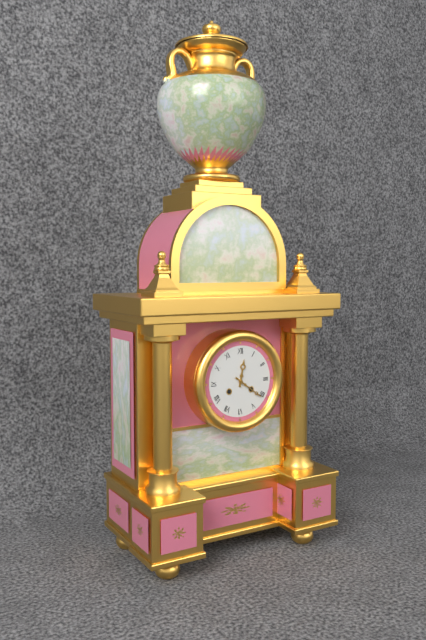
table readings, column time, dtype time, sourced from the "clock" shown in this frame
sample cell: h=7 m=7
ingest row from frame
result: h=12 m=21
